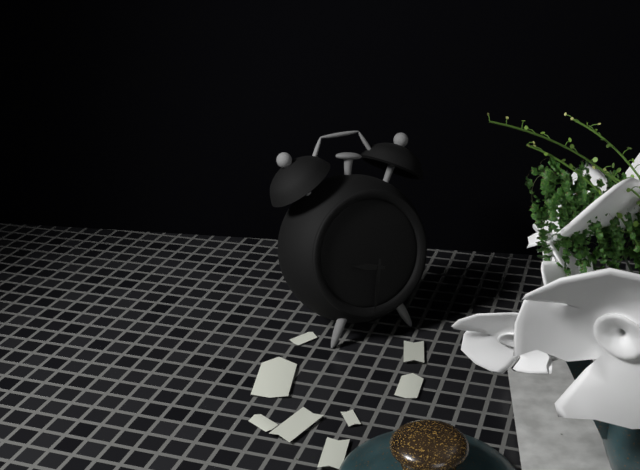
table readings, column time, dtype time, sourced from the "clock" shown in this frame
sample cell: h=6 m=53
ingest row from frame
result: h=9 m=31
